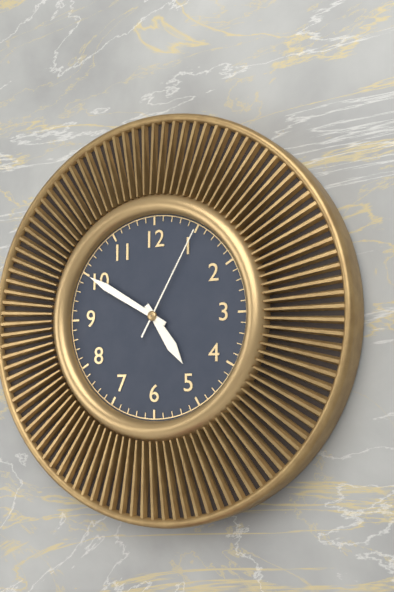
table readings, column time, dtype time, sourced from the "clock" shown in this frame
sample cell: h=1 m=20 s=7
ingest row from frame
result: h=4 m=50 s=5
